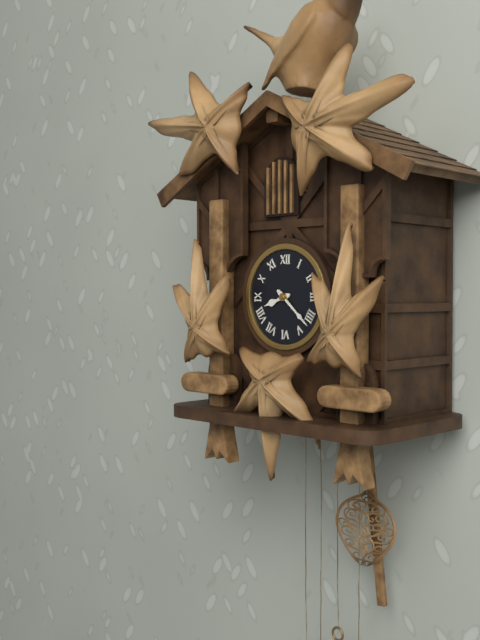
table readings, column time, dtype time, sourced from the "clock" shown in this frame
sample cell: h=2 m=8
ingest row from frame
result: h=8 m=22
